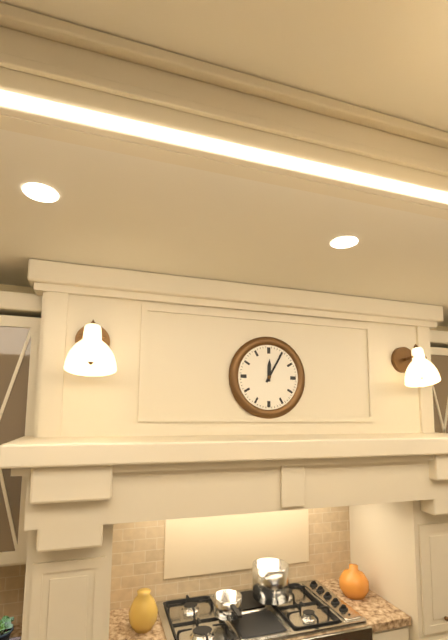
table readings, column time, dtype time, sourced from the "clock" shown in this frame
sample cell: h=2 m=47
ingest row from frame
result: h=12 m=5
